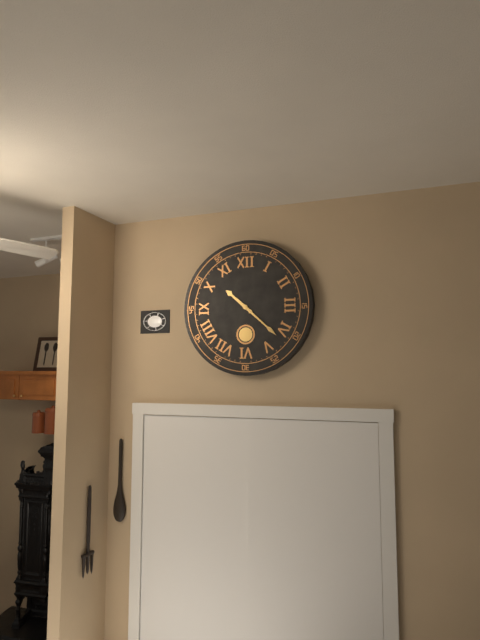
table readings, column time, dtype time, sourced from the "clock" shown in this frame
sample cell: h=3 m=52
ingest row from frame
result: h=10 m=22
